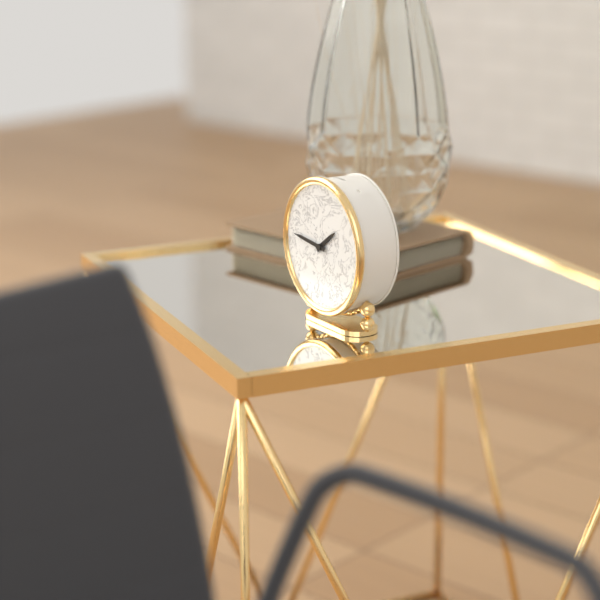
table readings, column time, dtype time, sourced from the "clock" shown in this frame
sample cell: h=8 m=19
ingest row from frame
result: h=1 m=46
